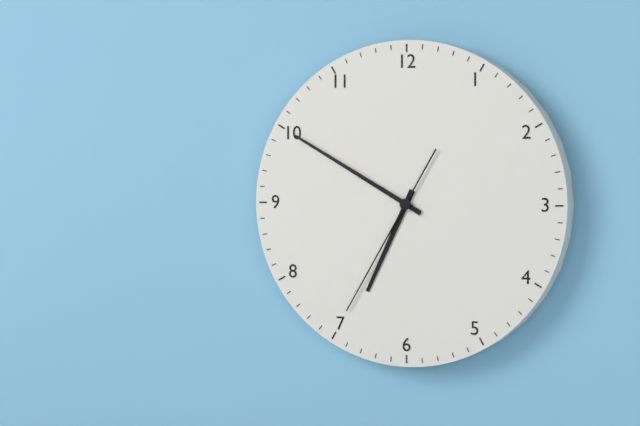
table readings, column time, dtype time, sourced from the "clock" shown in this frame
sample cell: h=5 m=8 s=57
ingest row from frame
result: h=6 m=50 s=35
